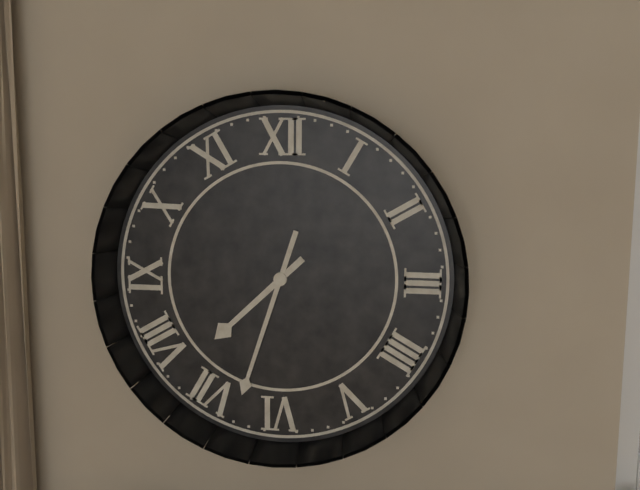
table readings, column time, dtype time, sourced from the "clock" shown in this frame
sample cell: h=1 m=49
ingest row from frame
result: h=7 m=33
